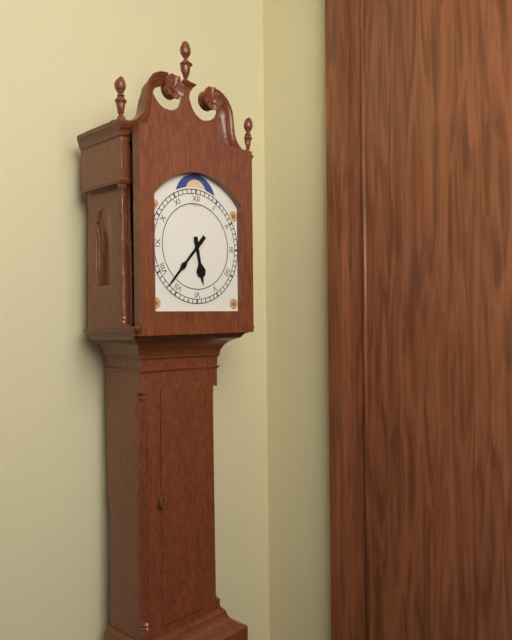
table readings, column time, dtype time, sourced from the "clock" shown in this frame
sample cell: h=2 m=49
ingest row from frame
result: h=5 m=37
